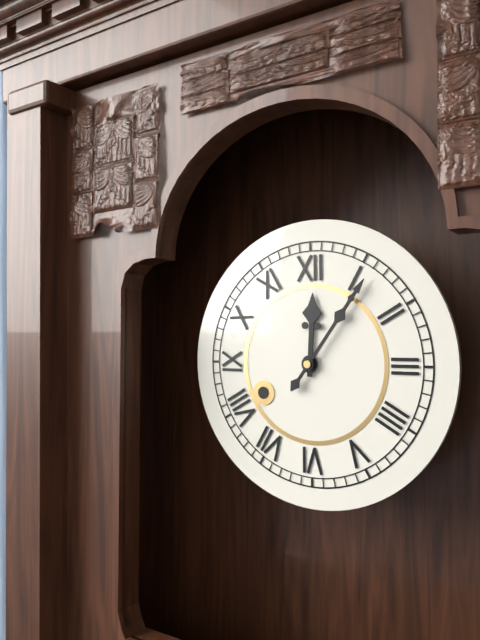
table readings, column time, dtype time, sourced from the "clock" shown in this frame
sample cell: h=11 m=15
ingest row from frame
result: h=12 m=6
